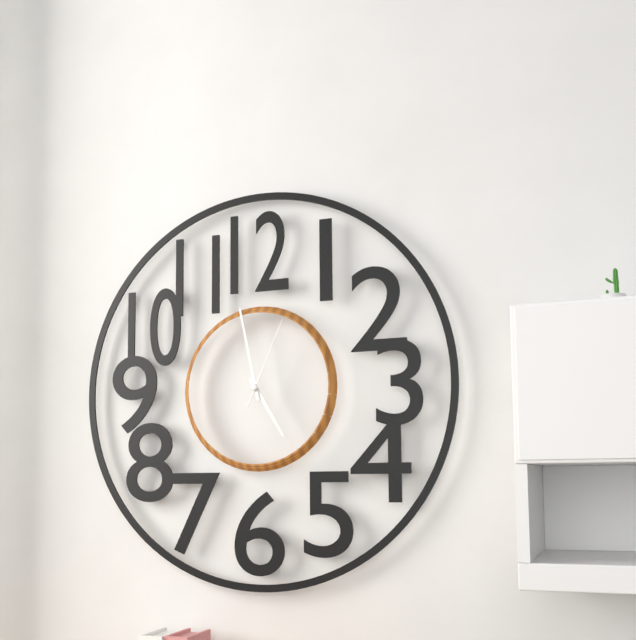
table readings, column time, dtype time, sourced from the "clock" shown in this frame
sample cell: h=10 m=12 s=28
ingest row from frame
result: h=4 m=58 s=4
